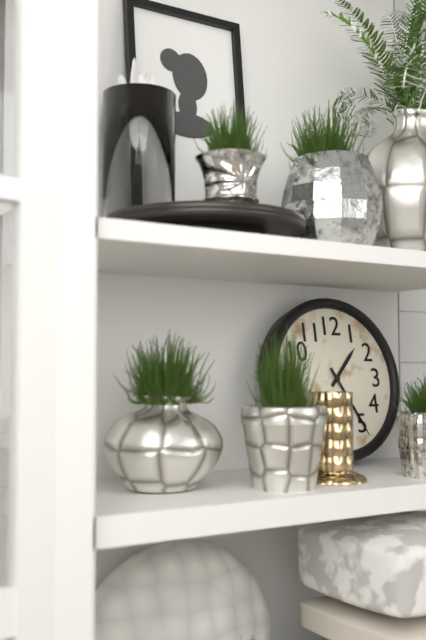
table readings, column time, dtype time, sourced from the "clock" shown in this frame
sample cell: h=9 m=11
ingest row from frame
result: h=1 m=25
